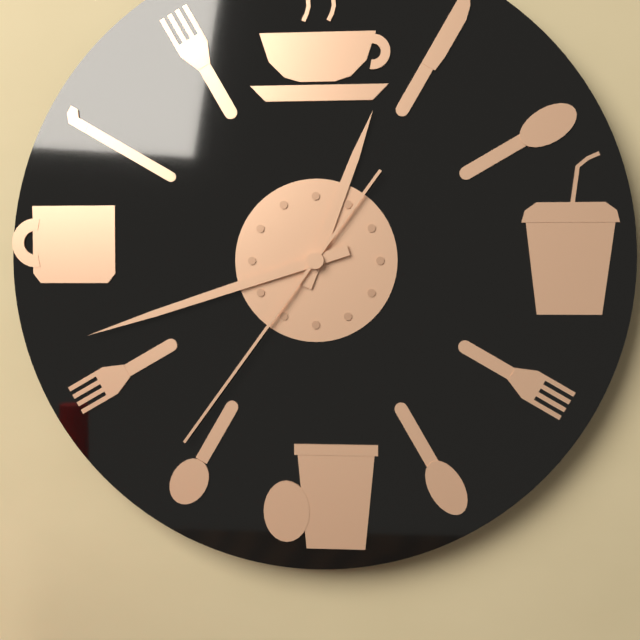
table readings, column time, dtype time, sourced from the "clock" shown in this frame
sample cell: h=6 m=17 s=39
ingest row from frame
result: h=12 m=42 s=36
